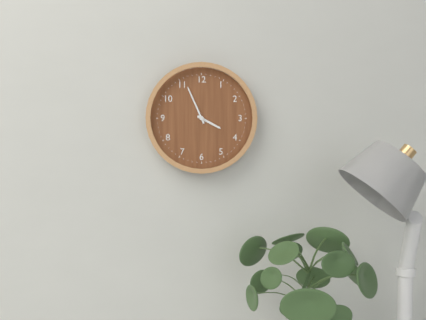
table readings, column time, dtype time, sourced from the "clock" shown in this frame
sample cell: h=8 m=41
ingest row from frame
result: h=3 m=56
